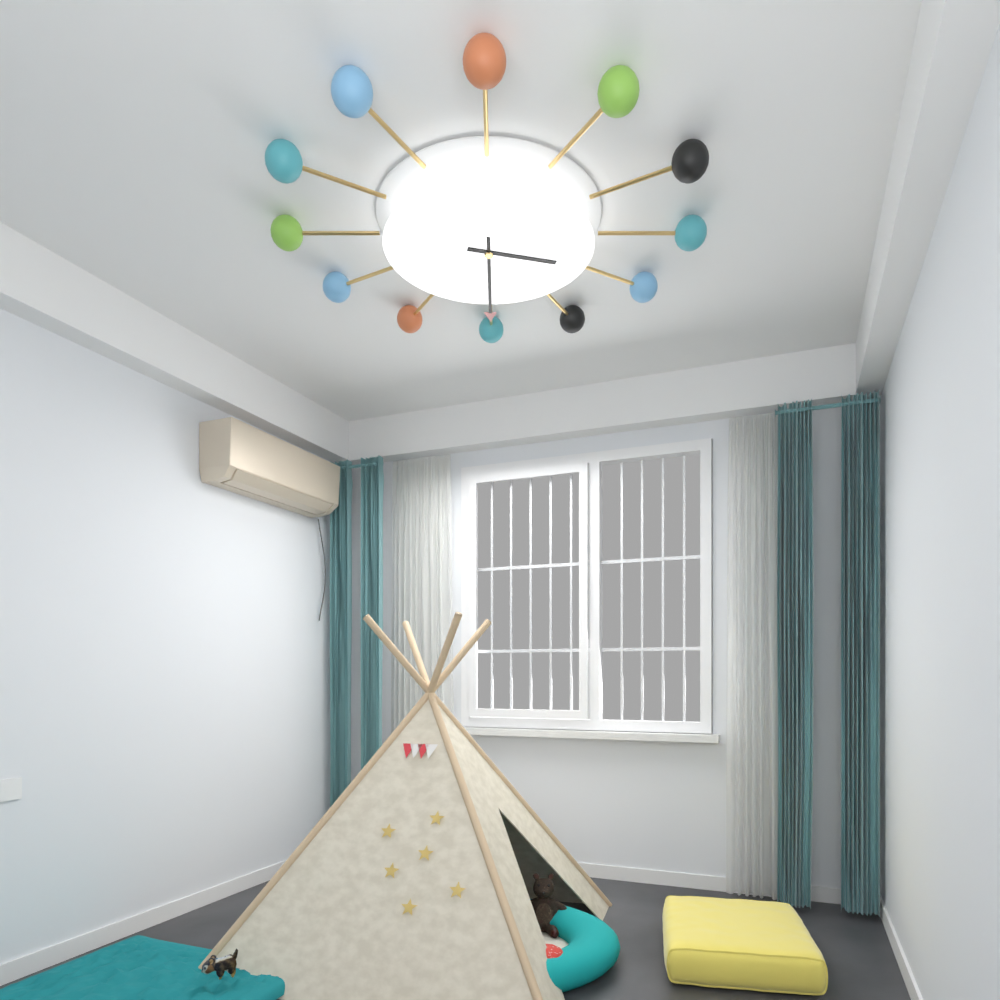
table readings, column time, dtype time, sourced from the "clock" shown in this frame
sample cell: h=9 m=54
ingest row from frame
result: h=3 m=30
